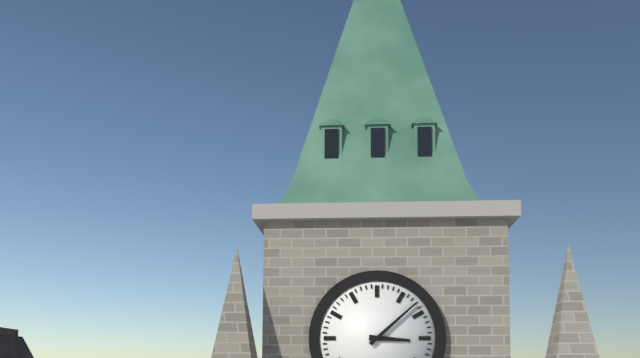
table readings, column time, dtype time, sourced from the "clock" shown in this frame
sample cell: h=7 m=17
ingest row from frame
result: h=3 m=8
